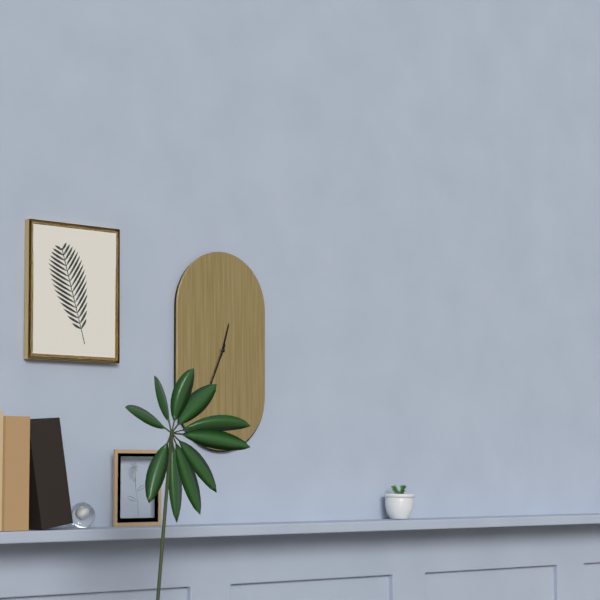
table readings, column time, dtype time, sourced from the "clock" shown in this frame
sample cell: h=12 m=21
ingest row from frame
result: h=12 m=34
